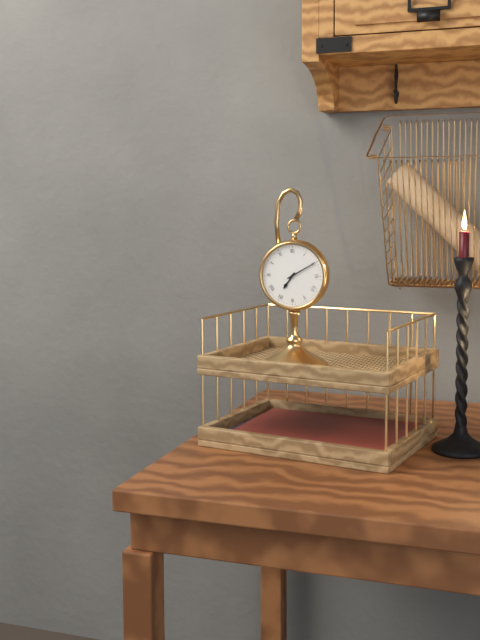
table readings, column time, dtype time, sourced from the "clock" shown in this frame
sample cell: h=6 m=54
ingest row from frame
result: h=7 m=10
